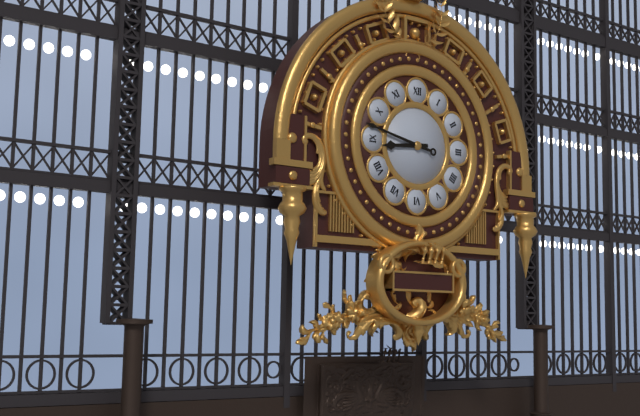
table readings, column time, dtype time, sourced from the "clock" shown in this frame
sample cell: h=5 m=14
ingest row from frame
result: h=8 m=47
